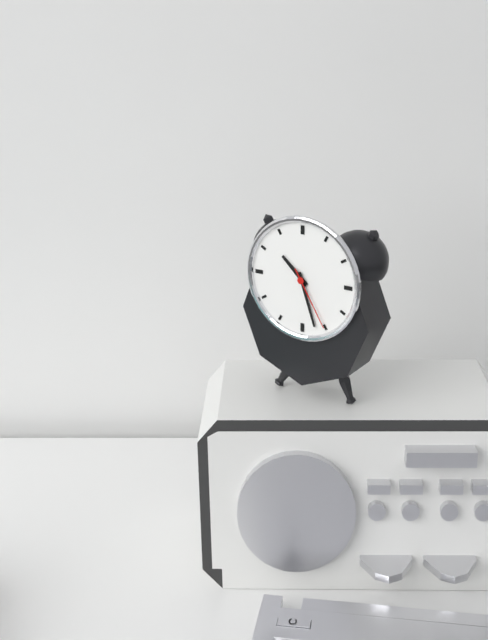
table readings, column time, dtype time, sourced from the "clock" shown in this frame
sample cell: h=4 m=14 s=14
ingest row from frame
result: h=10 m=27 s=25
